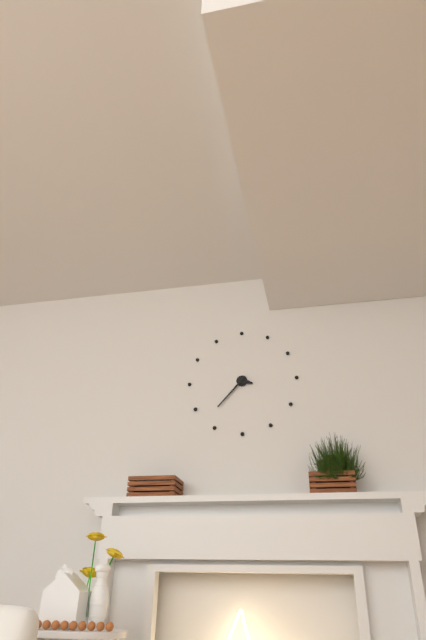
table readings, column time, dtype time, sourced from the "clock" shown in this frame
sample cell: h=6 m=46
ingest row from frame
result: h=3 m=37
